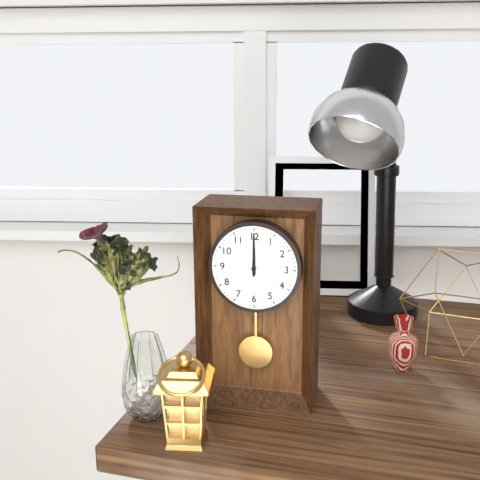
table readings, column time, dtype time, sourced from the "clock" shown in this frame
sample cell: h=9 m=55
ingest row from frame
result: h=12 m=0
